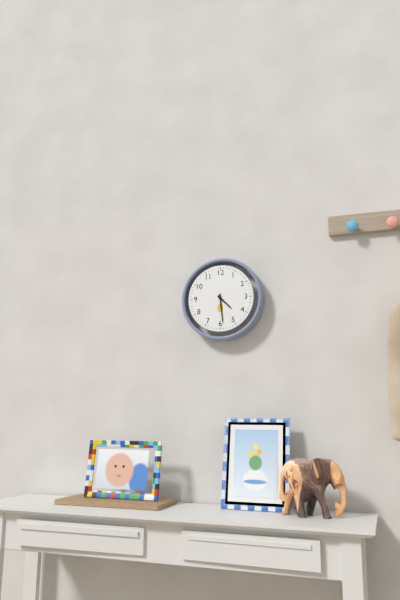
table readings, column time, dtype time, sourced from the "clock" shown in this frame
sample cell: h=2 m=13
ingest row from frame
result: h=4 m=29
